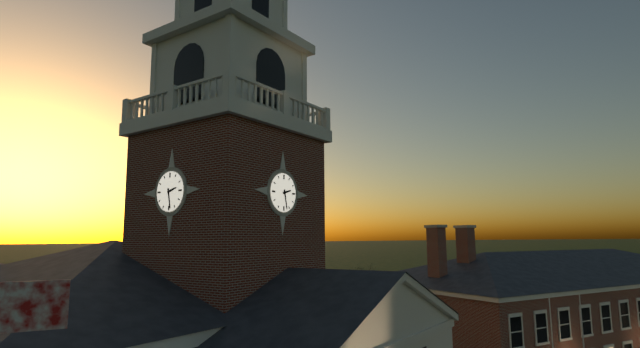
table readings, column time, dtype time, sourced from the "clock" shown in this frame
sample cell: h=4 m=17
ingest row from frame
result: h=2 m=28
